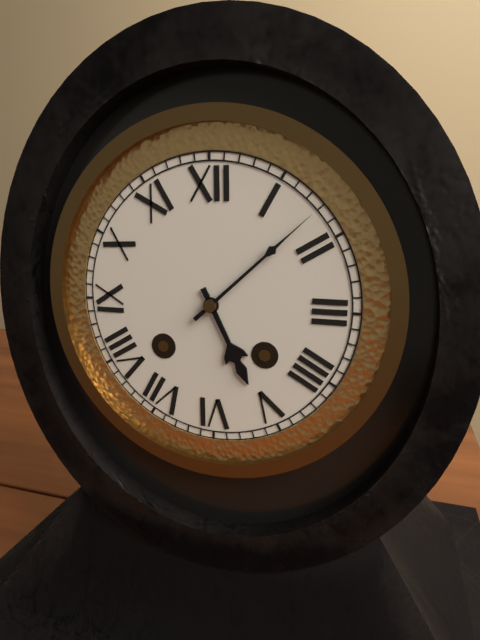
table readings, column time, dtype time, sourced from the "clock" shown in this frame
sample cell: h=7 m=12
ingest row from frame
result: h=5 m=8
